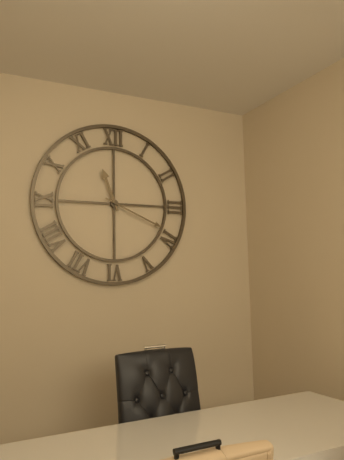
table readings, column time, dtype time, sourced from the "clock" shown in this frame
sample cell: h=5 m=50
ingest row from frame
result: h=11 m=19
